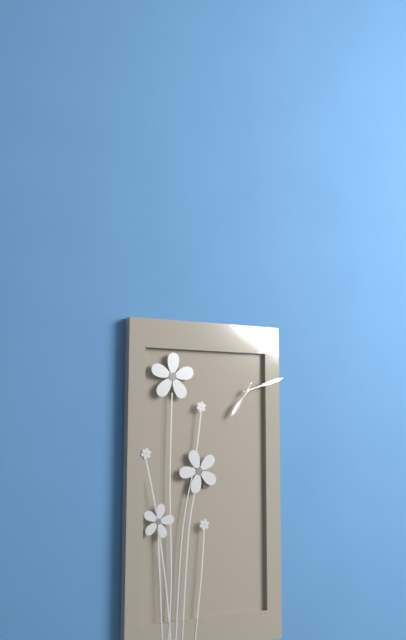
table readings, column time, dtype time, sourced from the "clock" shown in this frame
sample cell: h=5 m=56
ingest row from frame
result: h=7 m=12
